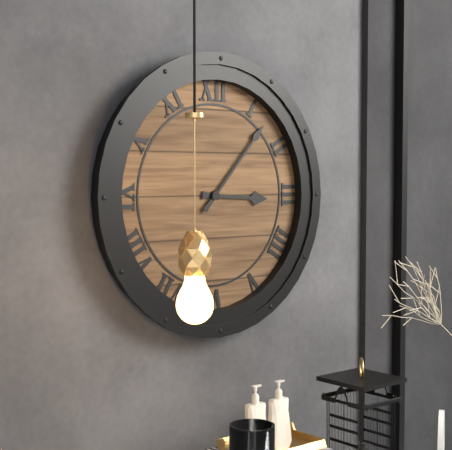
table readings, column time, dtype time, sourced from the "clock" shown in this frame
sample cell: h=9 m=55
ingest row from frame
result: h=3 m=7
